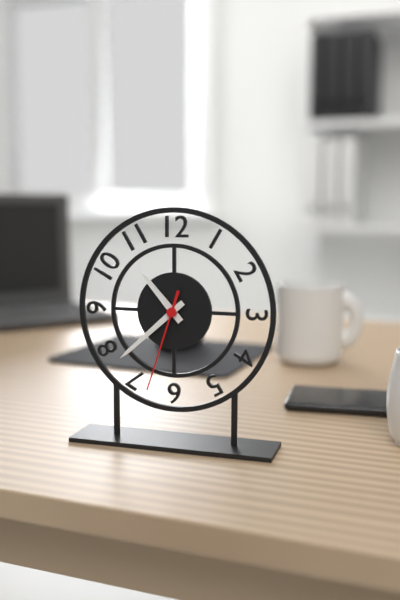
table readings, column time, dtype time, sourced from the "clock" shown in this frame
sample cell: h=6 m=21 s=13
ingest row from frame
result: h=10 m=38 s=33
